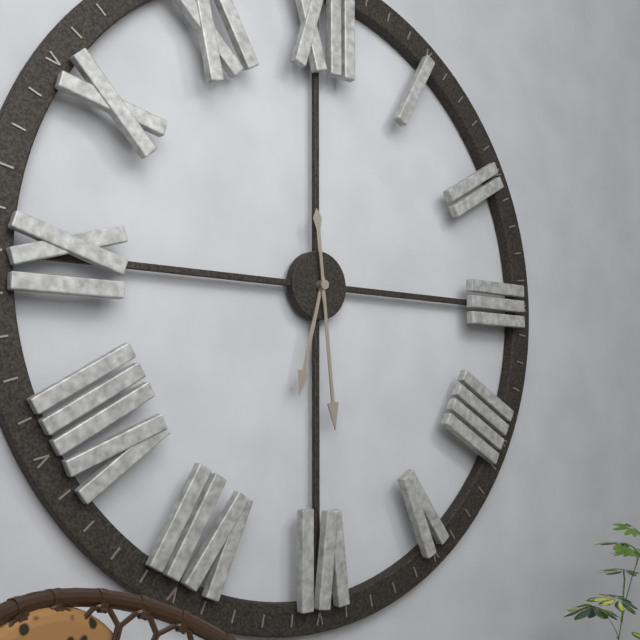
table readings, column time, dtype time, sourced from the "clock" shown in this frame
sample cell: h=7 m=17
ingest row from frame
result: h=6 m=29
